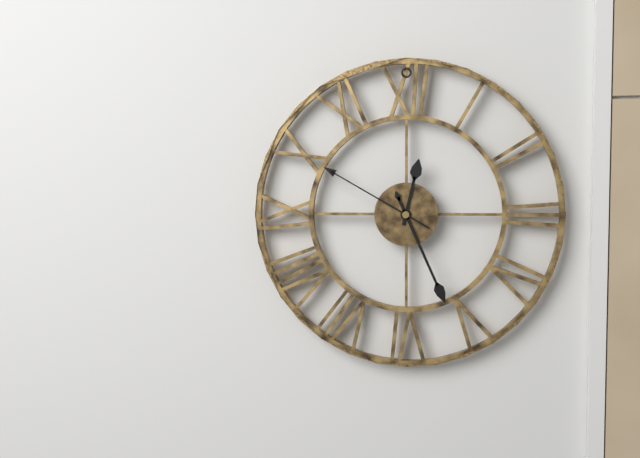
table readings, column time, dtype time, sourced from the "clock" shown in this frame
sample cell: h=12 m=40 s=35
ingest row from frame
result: h=12 m=26 s=50
